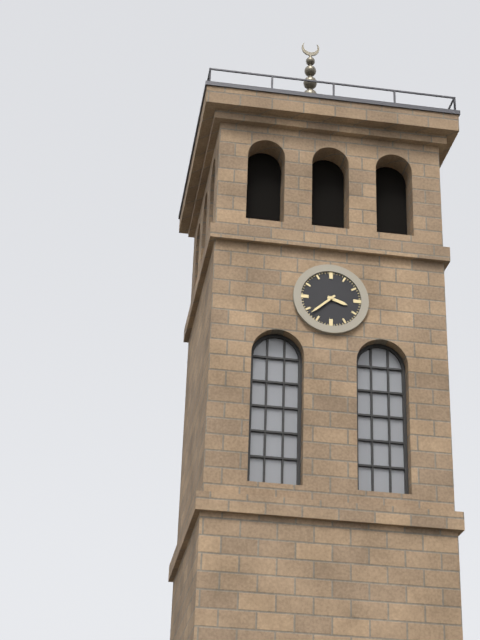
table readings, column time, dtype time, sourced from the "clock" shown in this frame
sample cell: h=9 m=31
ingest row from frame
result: h=3 m=38
